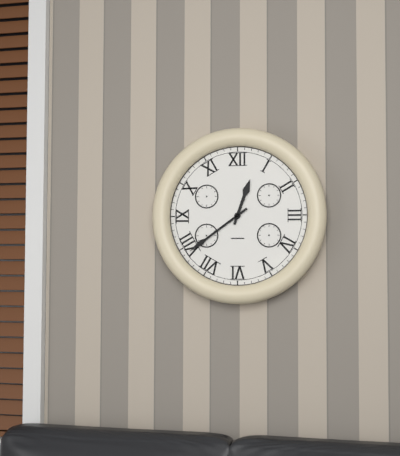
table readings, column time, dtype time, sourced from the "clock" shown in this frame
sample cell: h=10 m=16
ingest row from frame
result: h=12 m=39
